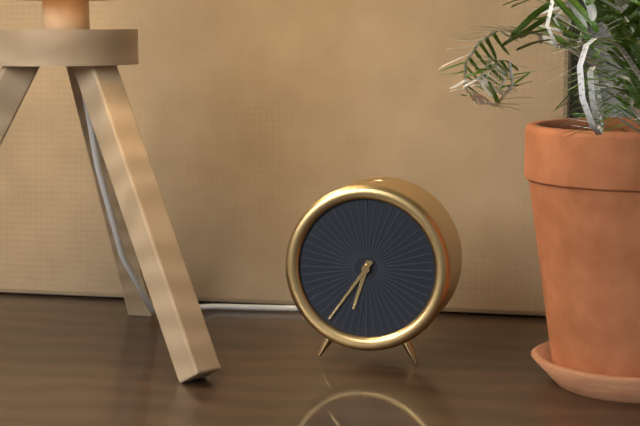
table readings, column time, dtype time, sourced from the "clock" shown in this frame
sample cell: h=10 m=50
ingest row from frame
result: h=6 m=36
